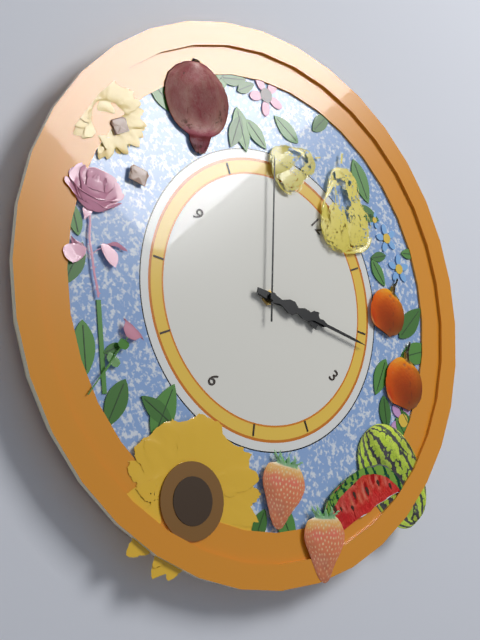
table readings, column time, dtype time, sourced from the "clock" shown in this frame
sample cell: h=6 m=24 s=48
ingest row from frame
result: h=2 m=11 s=54
